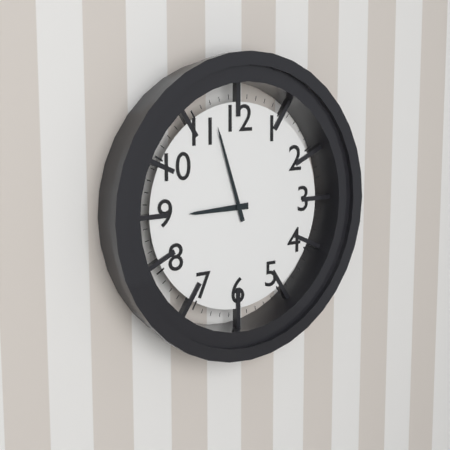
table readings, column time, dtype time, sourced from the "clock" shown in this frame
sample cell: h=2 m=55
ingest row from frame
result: h=8 m=57
